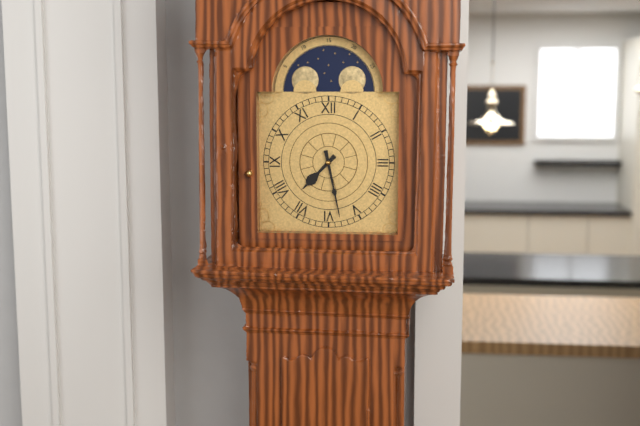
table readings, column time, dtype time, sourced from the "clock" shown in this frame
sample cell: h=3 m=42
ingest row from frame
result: h=7 m=28
